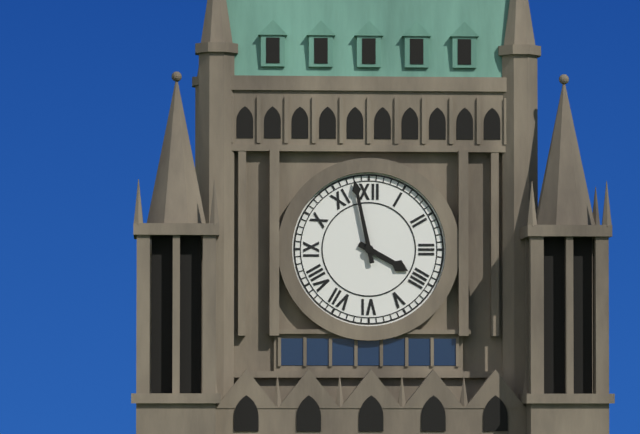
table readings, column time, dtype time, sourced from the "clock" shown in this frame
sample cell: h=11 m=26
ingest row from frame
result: h=3 m=58
